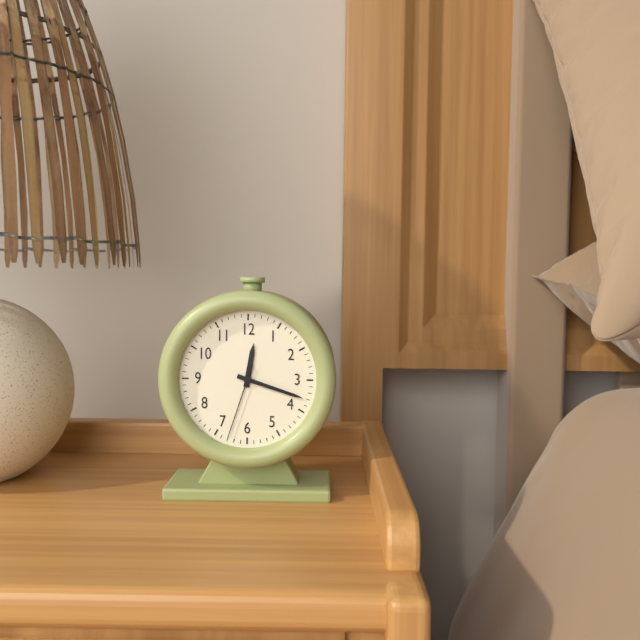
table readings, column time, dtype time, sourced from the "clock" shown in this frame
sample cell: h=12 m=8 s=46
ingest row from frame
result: h=12 m=18 s=33
